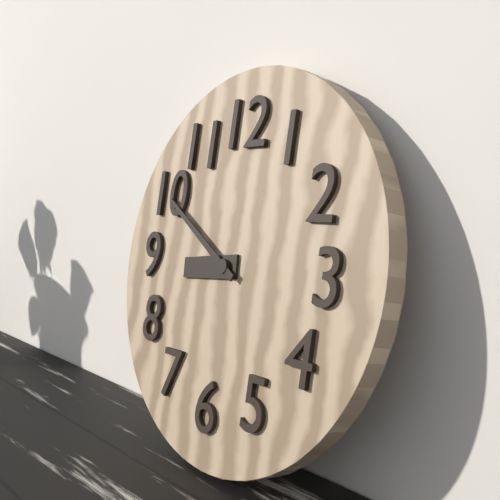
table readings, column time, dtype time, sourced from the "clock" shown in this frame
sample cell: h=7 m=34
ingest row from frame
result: h=8 m=50
